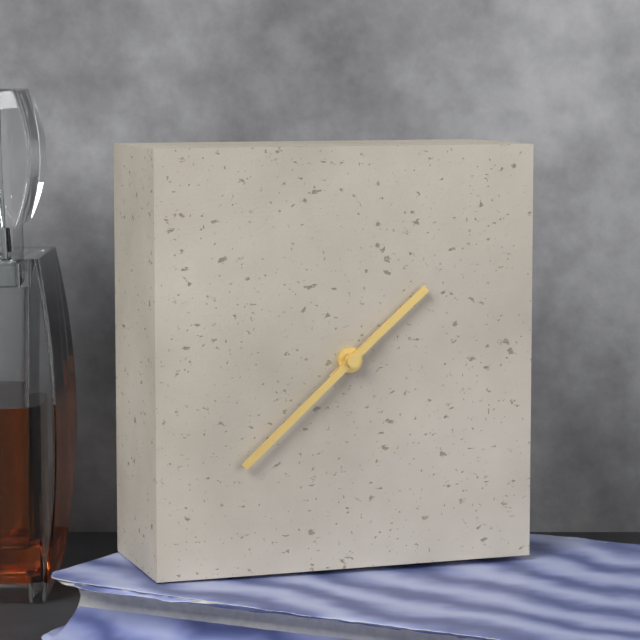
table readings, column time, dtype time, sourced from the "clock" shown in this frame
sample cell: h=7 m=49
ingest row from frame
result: h=1 m=38
